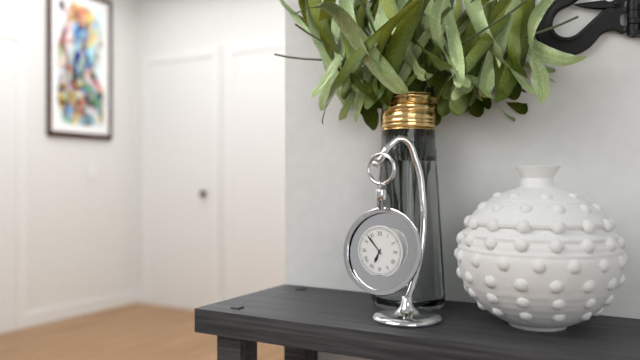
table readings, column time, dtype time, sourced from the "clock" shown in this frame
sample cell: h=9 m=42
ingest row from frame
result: h=6 m=53
